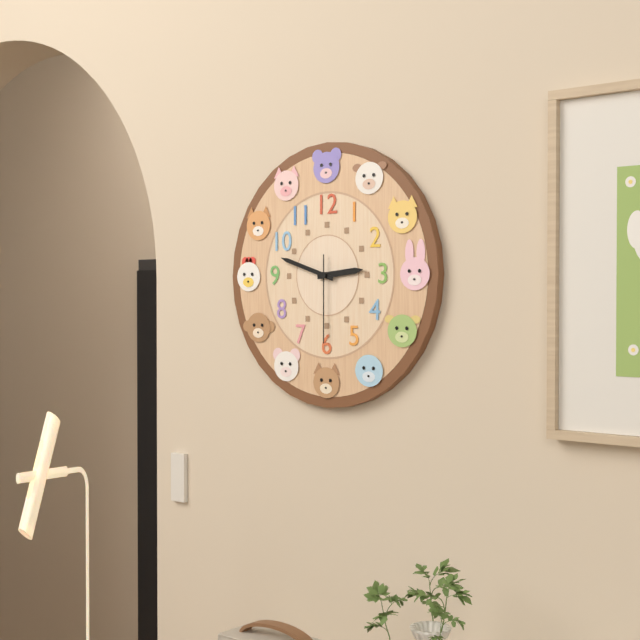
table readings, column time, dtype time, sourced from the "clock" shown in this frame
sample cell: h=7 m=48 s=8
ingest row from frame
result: h=2 m=48 s=30
